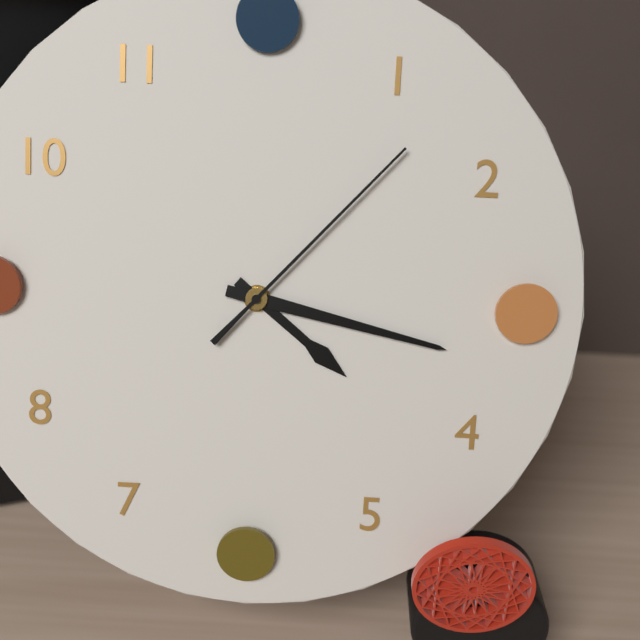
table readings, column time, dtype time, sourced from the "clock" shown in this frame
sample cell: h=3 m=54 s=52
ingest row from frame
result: h=4 m=17 s=7
